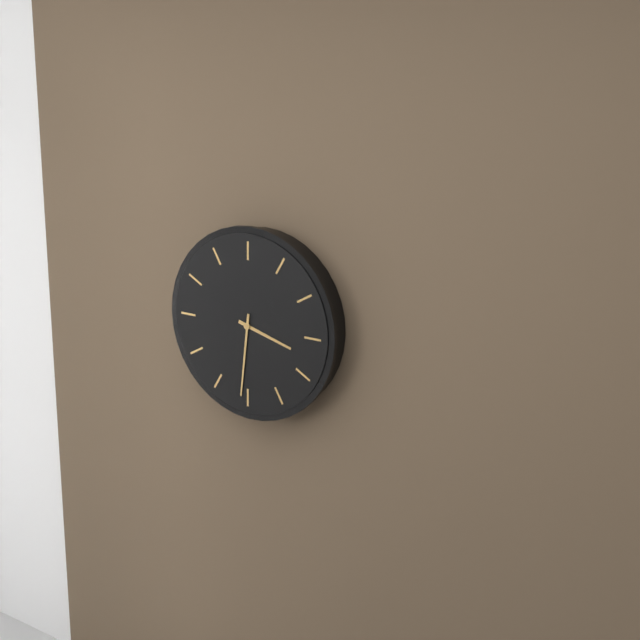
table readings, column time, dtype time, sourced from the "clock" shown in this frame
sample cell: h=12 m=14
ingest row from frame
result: h=3 m=31
